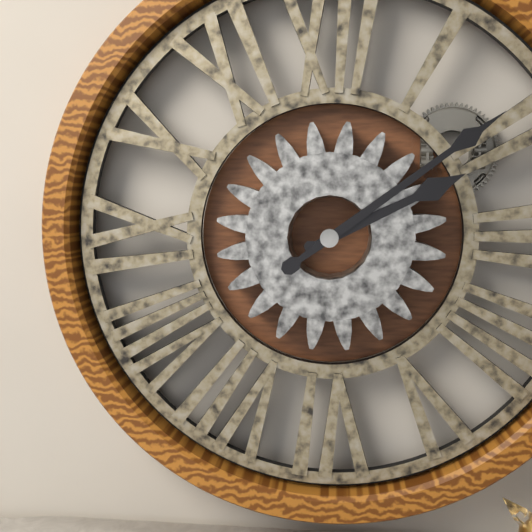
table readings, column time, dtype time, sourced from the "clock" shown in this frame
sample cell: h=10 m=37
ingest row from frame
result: h=2 m=9
